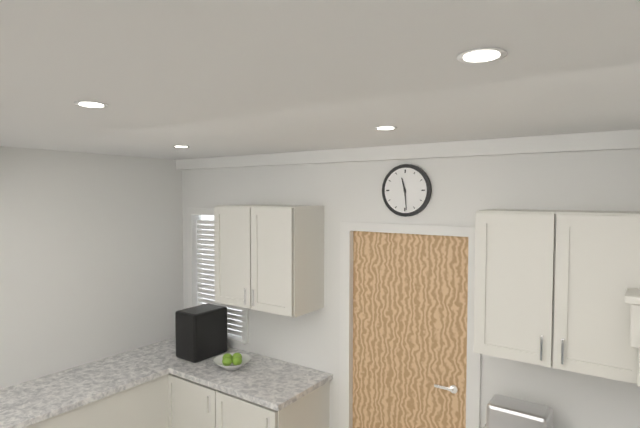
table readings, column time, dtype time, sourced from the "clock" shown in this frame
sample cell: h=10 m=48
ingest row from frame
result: h=11 m=29
